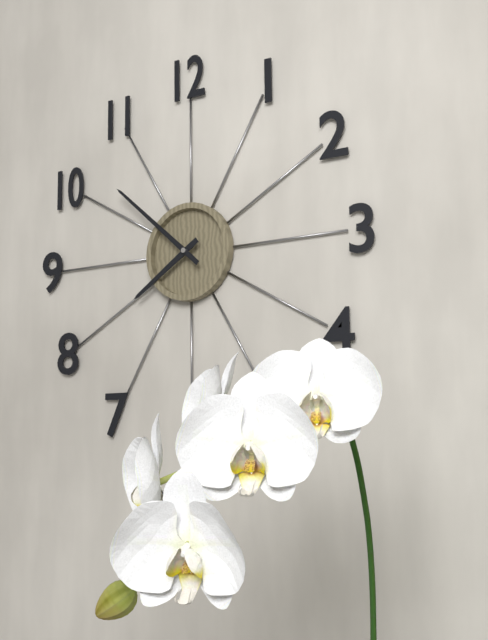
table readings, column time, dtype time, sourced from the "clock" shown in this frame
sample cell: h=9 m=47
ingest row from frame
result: h=7 m=52
